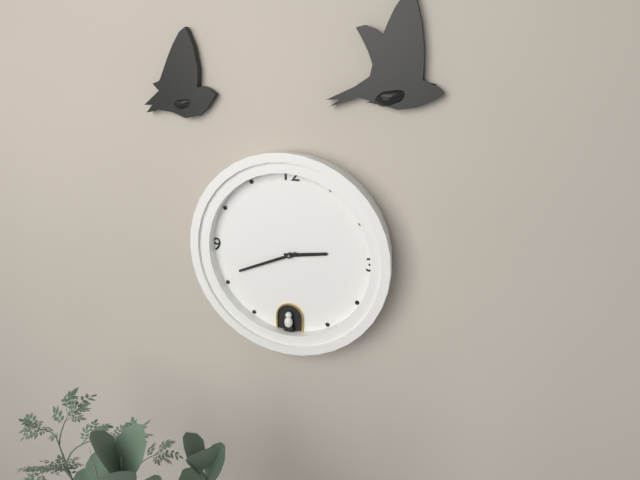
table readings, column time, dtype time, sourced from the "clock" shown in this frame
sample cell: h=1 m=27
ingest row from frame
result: h=2 m=41
